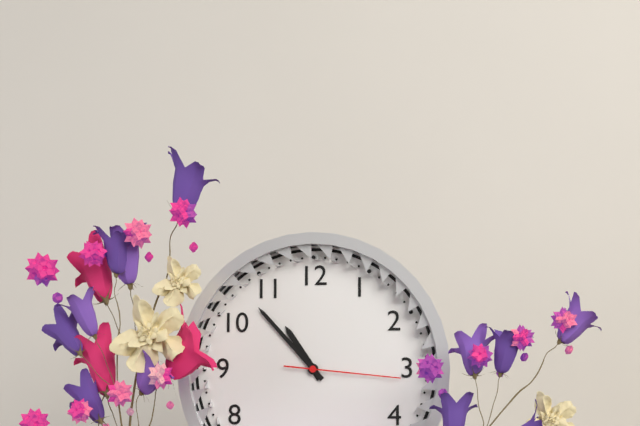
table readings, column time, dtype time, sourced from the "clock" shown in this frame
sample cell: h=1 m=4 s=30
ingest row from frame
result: h=10 m=53 s=16
